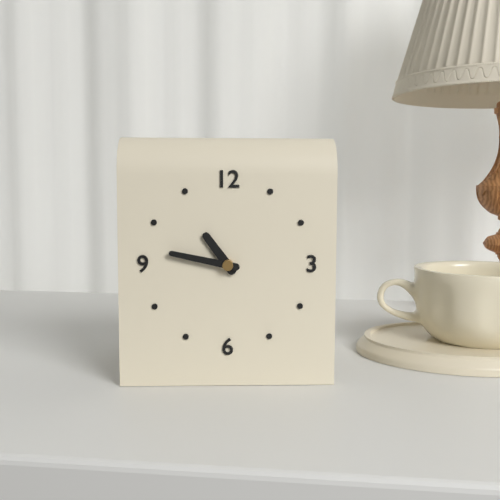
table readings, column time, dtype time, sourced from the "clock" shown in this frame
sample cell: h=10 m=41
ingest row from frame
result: h=10 m=47
